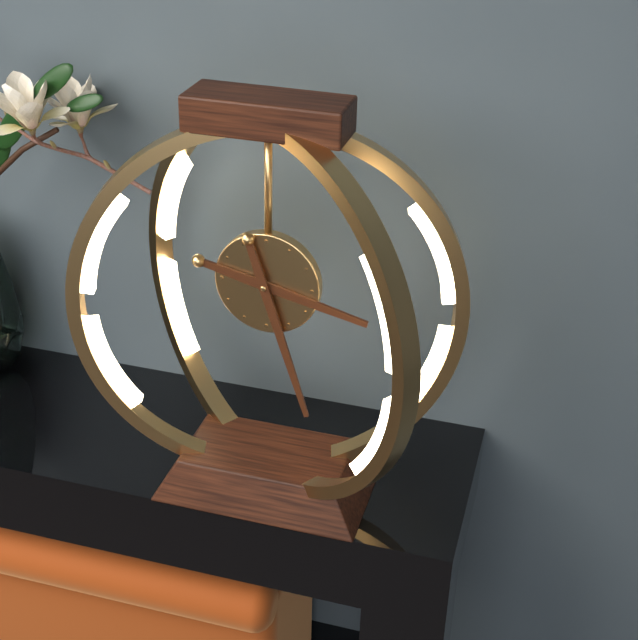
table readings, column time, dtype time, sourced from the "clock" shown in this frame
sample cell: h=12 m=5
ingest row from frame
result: h=3 m=27
